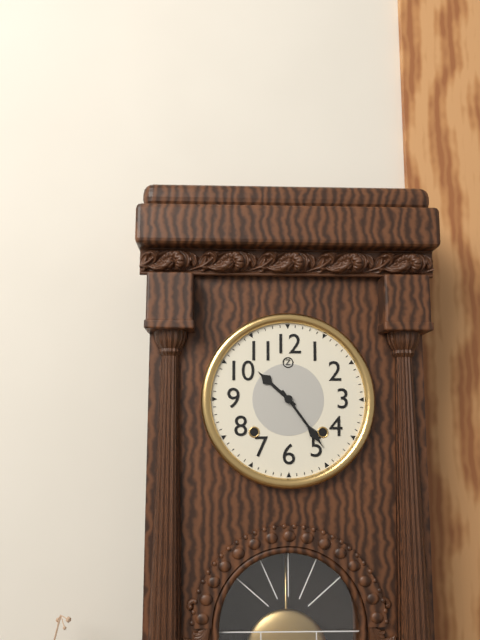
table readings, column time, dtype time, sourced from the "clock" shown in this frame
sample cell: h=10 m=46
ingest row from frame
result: h=10 m=24
